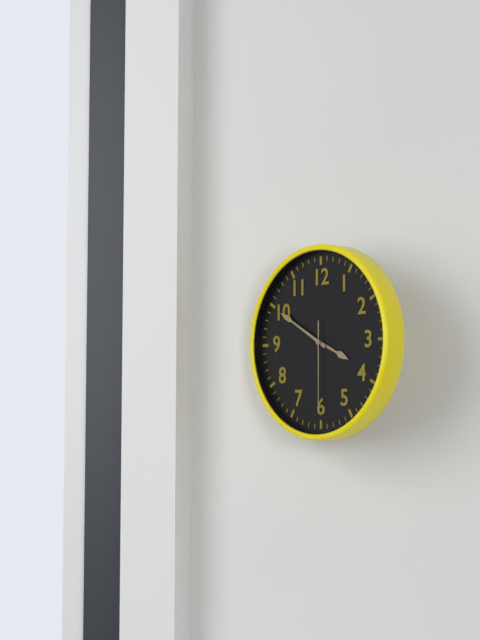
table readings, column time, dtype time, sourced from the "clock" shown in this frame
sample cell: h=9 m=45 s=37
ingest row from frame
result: h=3 m=50 s=30
